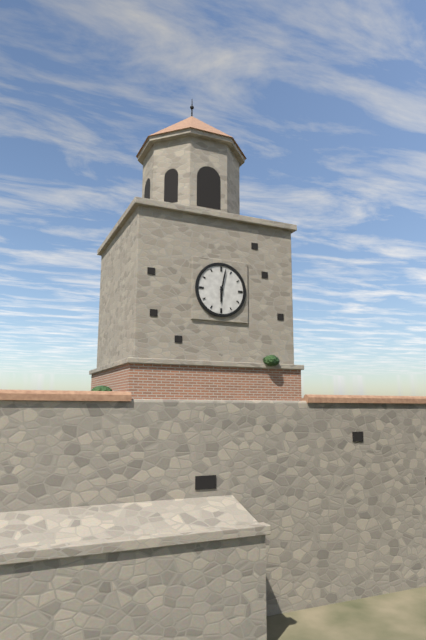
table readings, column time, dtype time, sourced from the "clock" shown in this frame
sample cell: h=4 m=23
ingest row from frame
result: h=6 m=2
